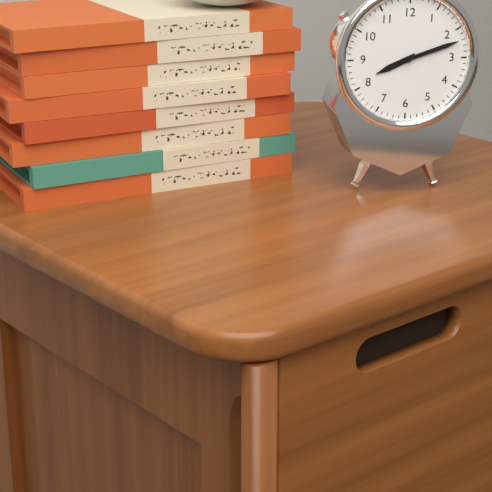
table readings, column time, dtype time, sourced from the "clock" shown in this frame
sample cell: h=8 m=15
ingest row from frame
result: h=8 m=12
